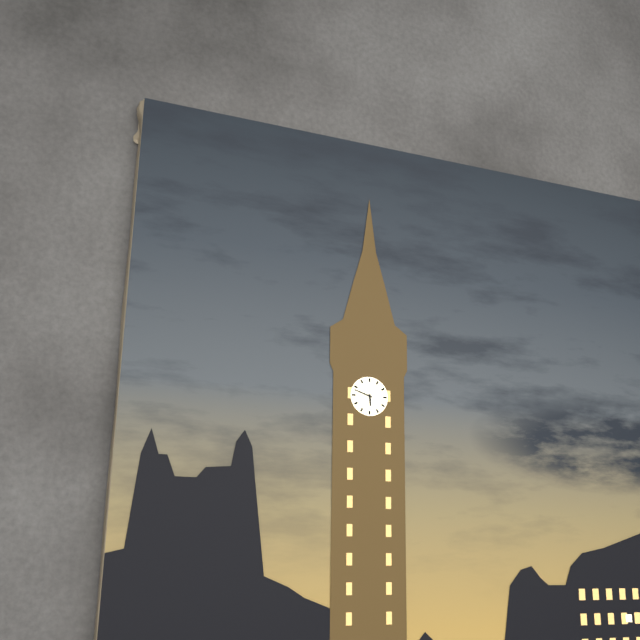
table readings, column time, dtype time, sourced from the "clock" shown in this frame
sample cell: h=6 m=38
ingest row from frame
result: h=5 m=48
